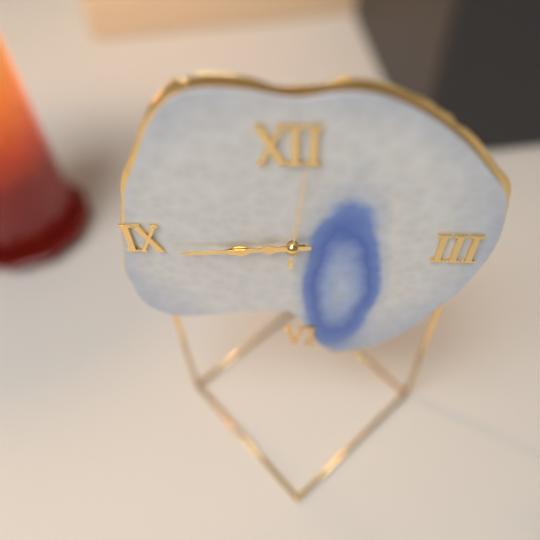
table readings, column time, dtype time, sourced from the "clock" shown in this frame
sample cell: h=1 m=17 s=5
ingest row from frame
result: h=8 m=44 s=1
